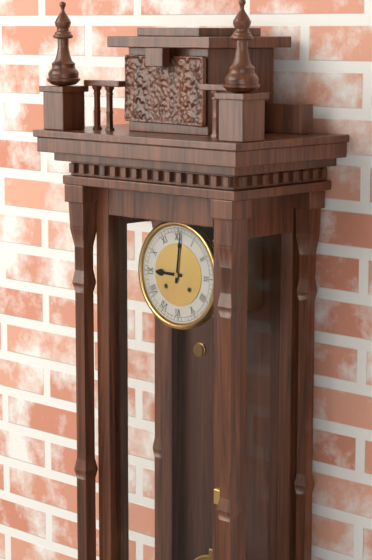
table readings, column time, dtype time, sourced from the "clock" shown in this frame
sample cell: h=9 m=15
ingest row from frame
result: h=9 m=1
